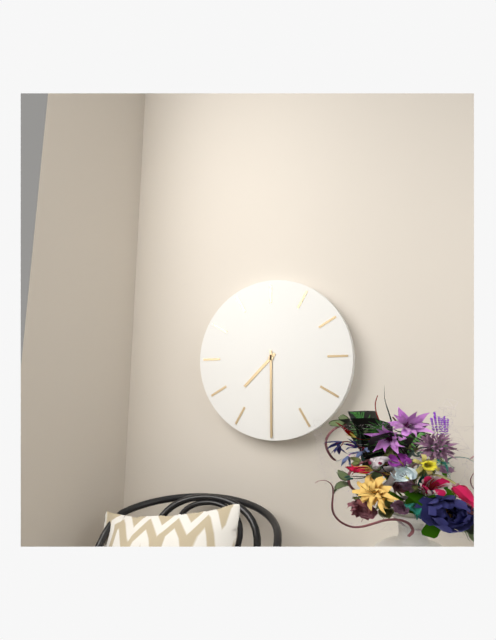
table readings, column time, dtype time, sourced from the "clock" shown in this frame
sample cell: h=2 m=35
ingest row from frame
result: h=7 m=30
